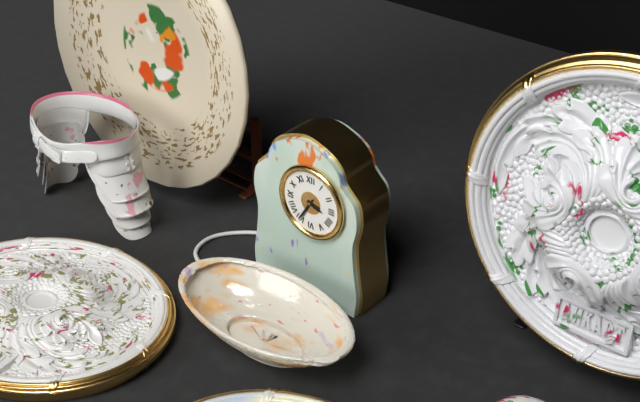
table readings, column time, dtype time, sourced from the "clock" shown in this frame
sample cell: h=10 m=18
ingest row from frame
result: h=3 m=35
